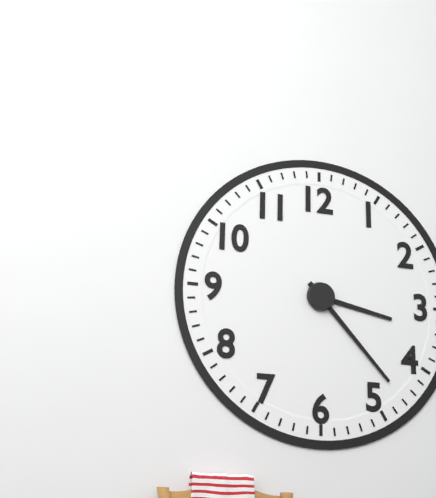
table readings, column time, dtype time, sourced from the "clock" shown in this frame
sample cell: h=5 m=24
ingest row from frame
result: h=3 m=23
